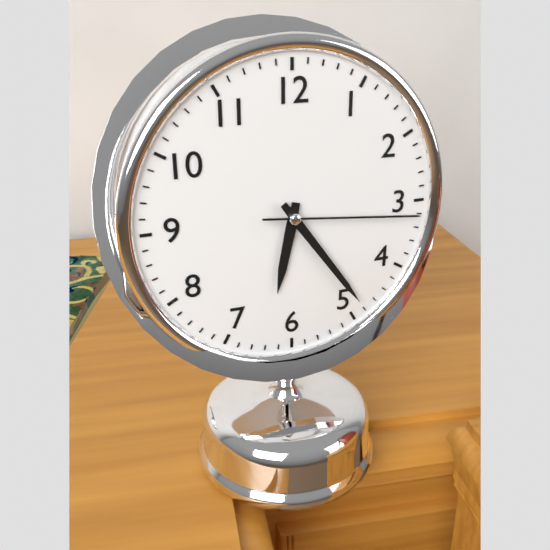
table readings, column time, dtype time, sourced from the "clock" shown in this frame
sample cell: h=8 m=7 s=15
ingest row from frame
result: h=6 m=24 s=16
